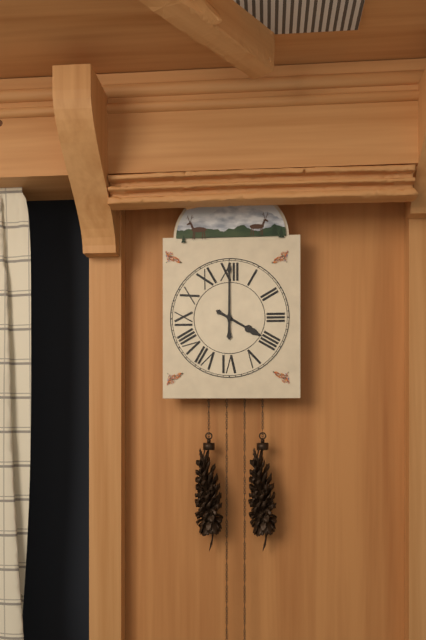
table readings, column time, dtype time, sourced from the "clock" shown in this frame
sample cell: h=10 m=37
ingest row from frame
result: h=4 m=0
